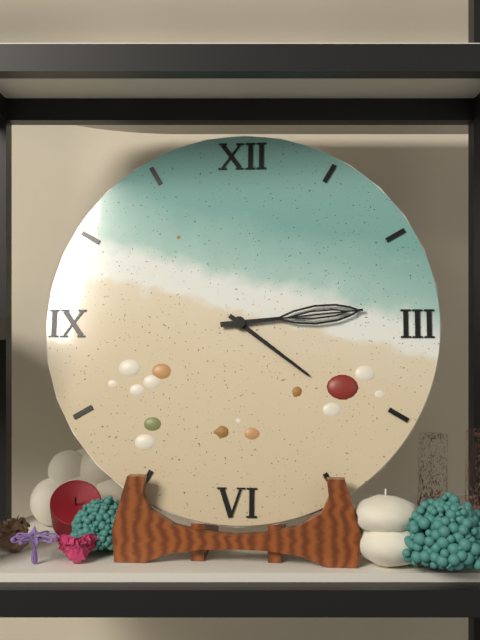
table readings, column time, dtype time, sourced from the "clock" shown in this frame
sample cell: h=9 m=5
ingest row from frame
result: h=4 m=14
